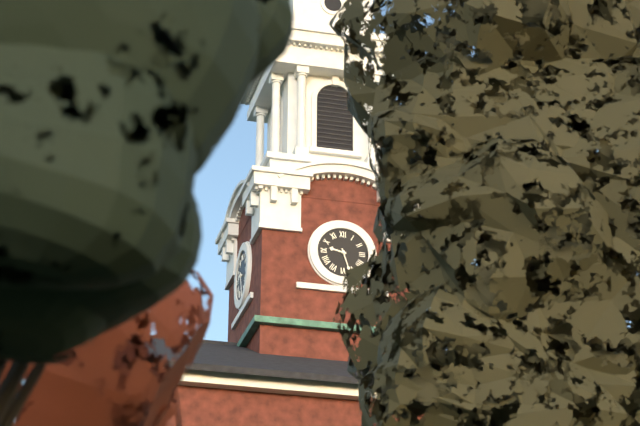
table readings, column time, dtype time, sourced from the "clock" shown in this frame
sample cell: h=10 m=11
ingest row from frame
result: h=9 m=27
